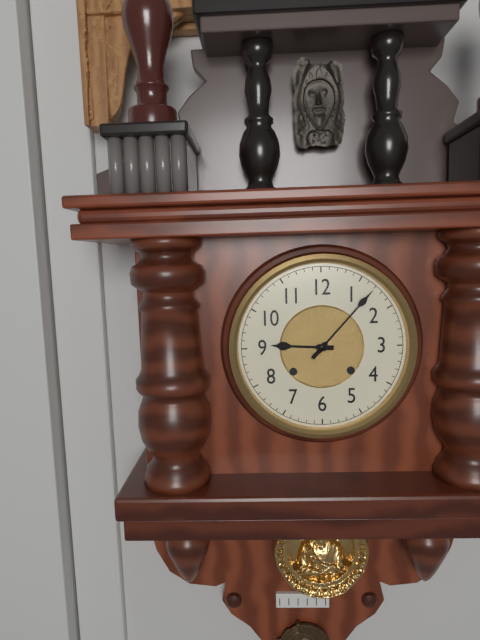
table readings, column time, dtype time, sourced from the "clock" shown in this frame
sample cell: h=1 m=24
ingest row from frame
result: h=9 m=7
